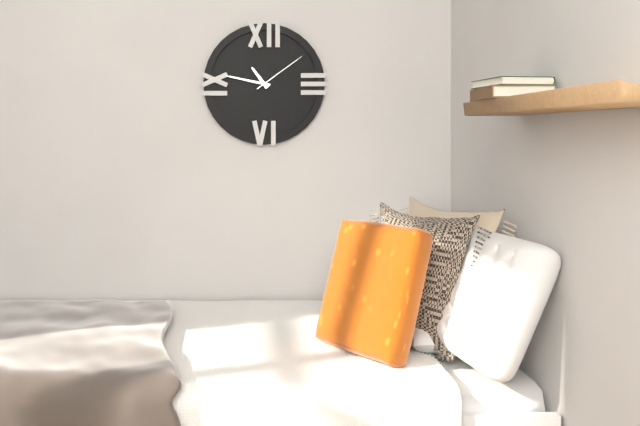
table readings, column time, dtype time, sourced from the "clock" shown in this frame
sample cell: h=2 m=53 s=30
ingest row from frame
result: h=10 m=47 s=9
